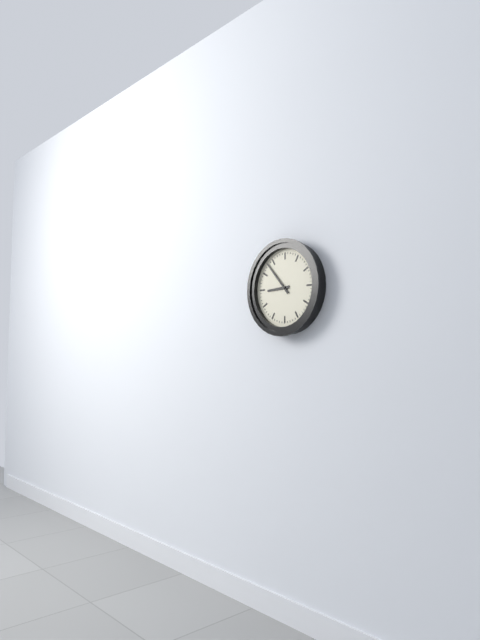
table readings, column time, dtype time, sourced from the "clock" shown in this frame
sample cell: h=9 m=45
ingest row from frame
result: h=8 m=53
